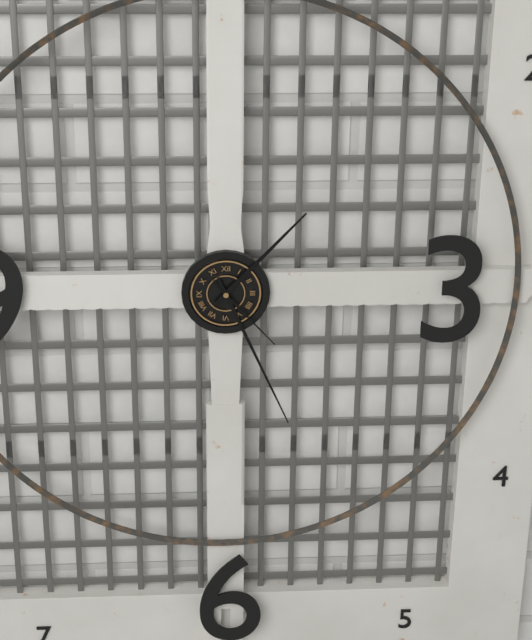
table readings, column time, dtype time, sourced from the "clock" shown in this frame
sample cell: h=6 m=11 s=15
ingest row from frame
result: h=1 m=26 s=23
